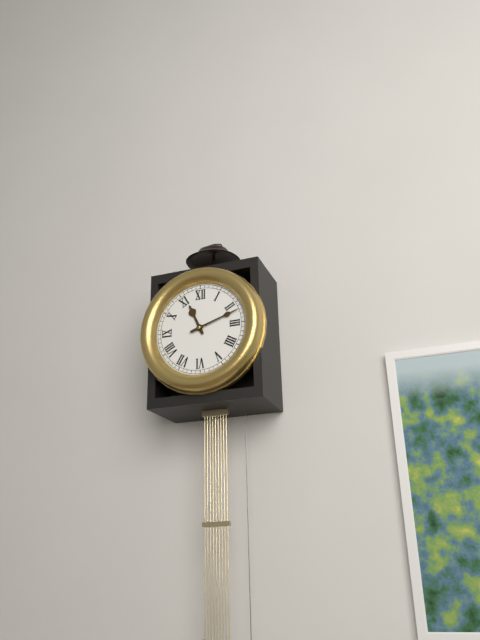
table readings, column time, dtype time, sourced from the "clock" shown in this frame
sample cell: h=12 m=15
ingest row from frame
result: h=11 m=12
